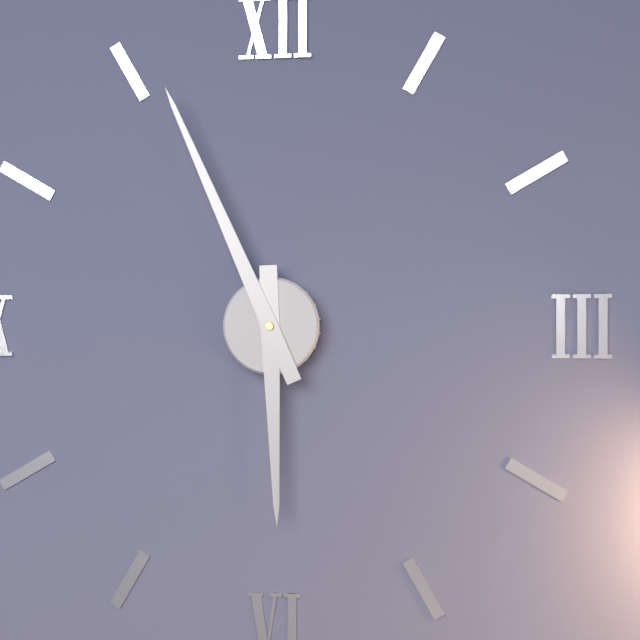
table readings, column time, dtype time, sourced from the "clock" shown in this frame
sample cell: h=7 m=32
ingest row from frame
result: h=5 m=56
